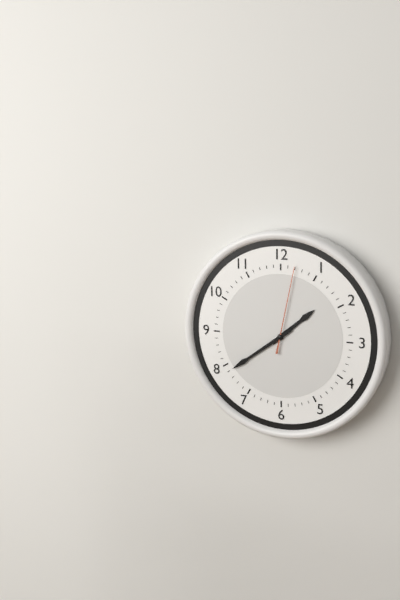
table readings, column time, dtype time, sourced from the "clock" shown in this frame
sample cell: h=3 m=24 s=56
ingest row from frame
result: h=1 m=39 s=2
